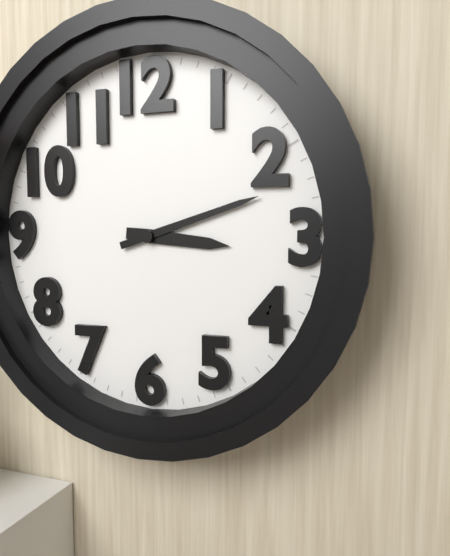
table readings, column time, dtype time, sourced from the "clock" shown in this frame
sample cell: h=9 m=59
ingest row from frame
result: h=3 m=12
